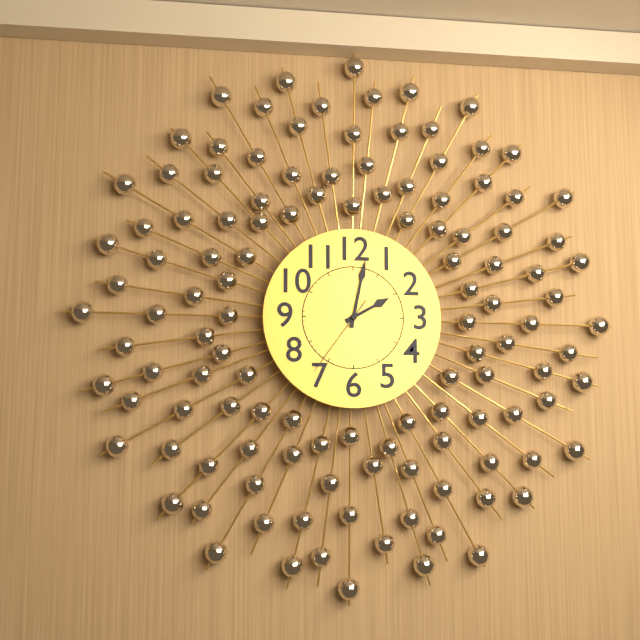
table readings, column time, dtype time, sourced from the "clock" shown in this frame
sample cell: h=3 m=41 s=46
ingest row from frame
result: h=2 m=2 s=36
